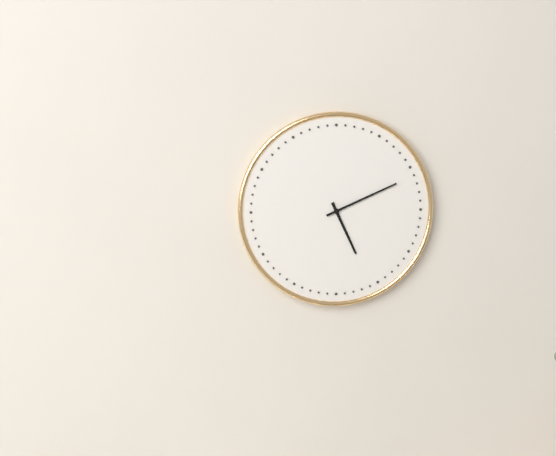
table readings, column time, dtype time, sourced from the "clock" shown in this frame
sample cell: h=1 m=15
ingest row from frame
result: h=5 m=11
